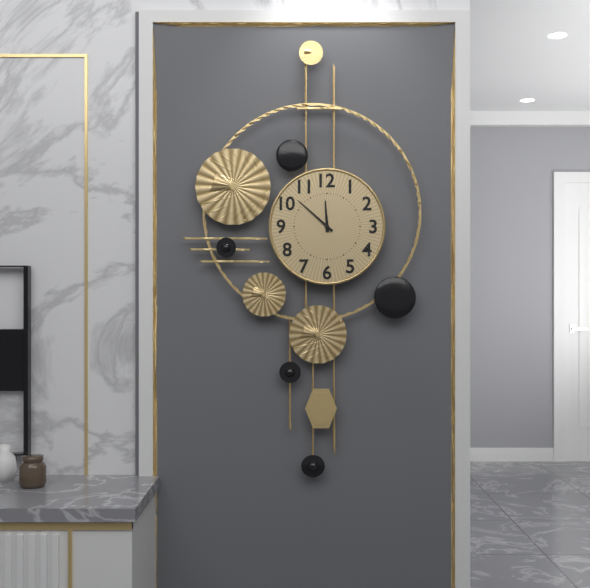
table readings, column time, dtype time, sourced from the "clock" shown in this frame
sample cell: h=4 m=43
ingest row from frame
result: h=11 m=52
